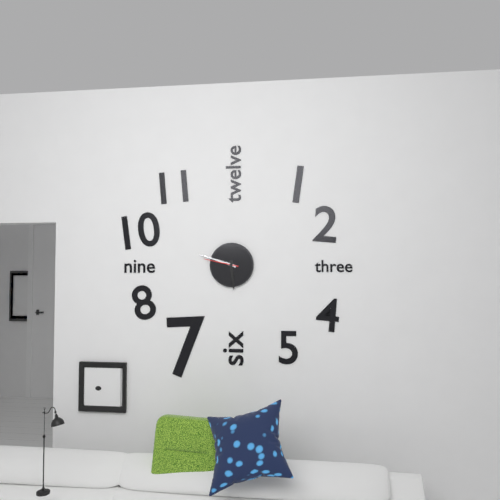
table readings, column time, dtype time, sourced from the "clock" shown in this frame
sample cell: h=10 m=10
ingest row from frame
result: h=5 m=48
